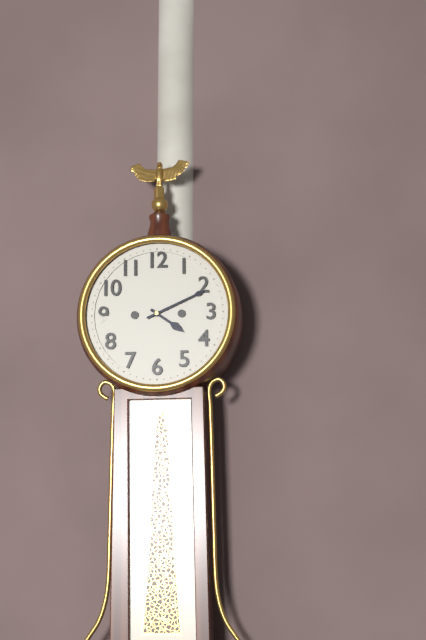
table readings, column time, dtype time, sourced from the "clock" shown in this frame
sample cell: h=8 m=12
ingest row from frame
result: h=4 m=11
